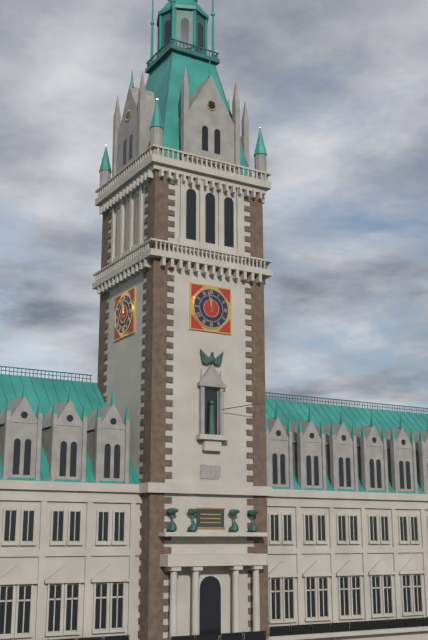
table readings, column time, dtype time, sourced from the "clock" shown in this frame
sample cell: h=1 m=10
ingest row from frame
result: h=11 m=58
